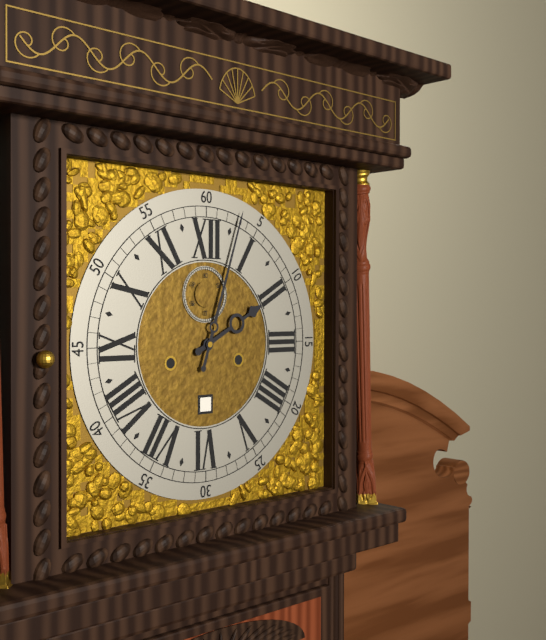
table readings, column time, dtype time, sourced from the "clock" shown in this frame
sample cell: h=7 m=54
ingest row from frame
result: h=2 m=3
